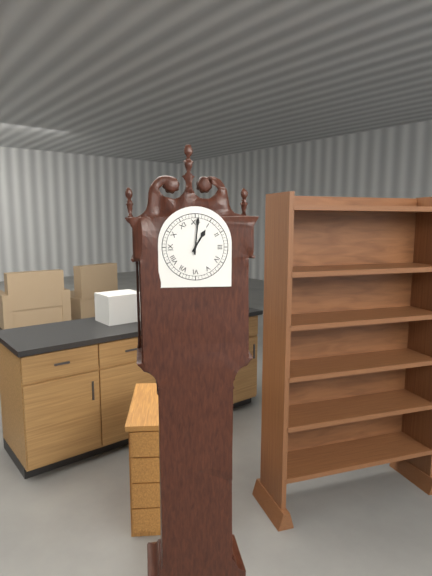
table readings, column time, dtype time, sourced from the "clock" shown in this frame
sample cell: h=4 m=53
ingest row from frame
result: h=1 m=1
